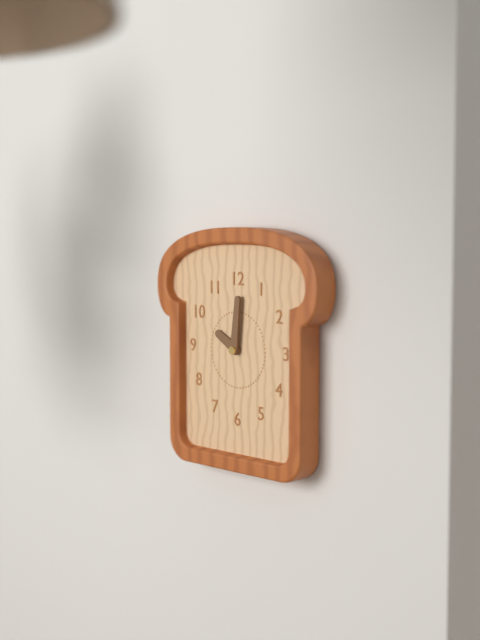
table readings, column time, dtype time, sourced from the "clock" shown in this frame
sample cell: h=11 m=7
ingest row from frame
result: h=10 m=1
